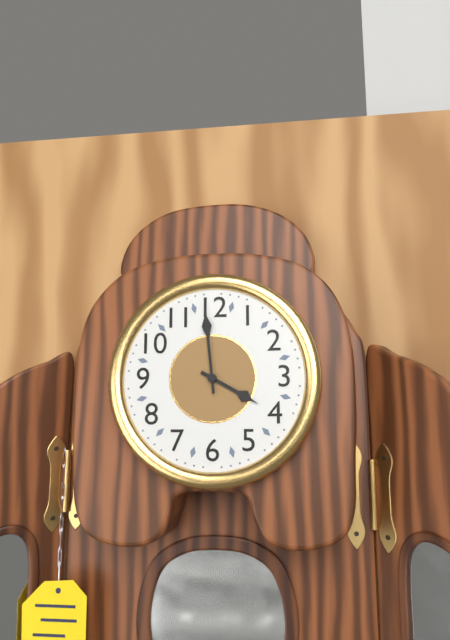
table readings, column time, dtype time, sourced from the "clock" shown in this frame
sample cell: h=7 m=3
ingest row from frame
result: h=3 m=59
